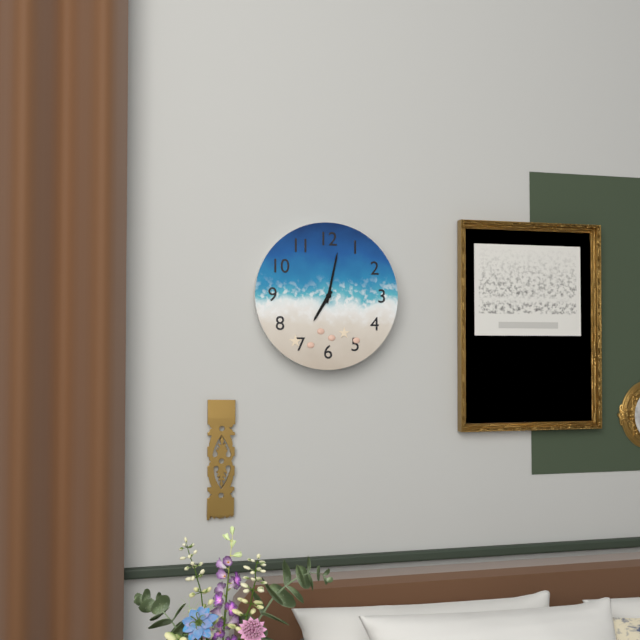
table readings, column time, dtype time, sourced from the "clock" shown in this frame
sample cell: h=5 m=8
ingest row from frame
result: h=7 m=2
